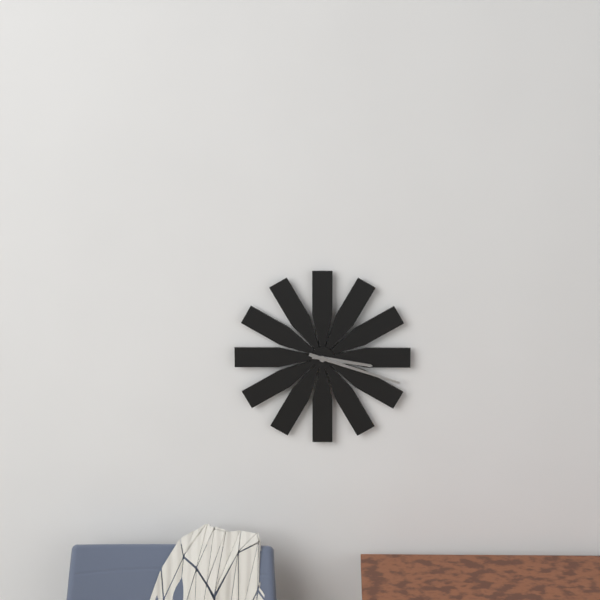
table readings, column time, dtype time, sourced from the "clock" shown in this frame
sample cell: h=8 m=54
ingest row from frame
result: h=3 m=18
